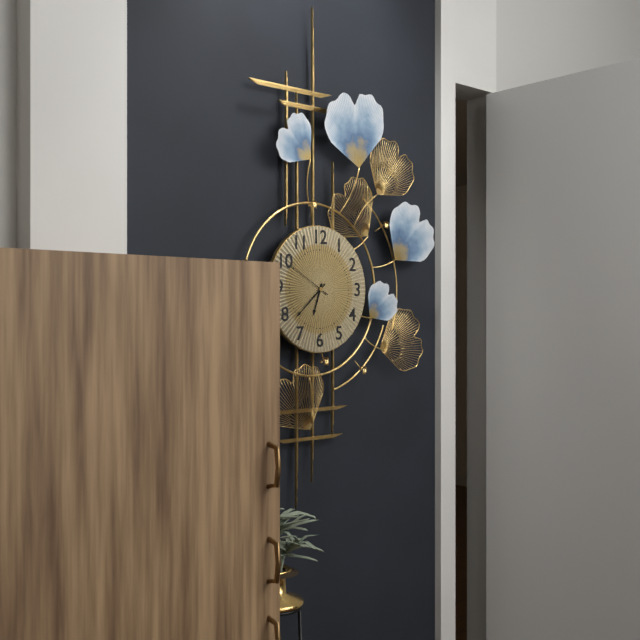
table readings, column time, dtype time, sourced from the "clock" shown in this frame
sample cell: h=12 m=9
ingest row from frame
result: h=6 m=38
